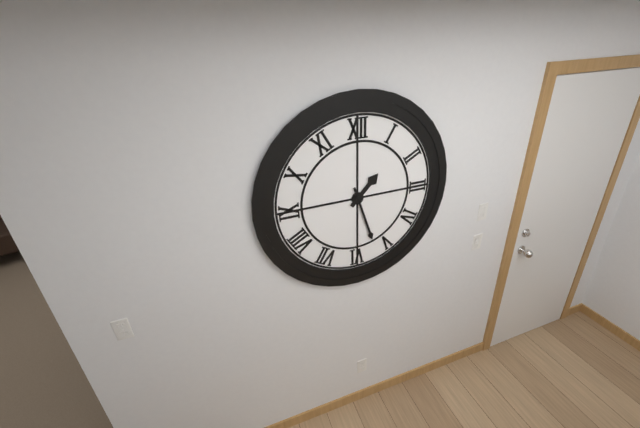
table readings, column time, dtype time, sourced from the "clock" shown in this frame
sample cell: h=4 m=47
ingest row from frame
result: h=1 m=27
